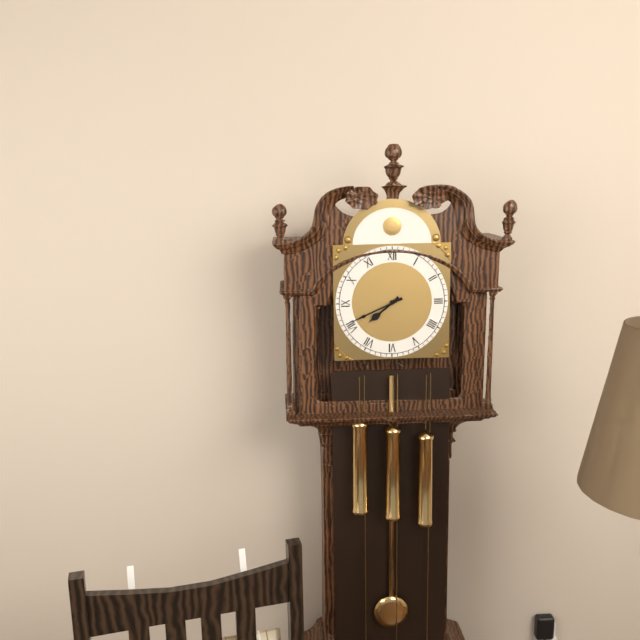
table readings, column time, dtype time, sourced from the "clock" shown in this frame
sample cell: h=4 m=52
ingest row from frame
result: h=7 m=41
